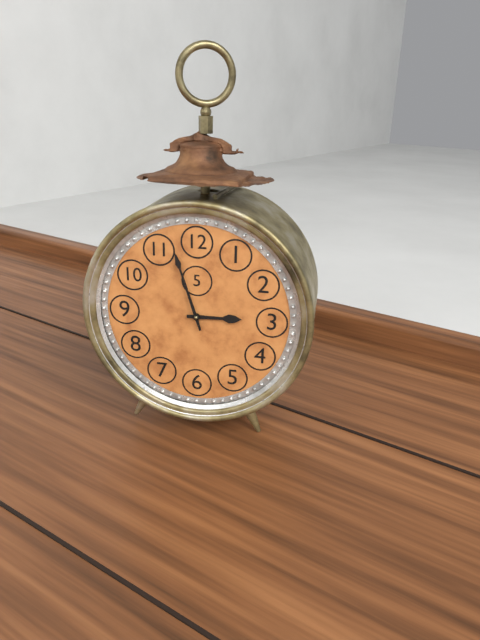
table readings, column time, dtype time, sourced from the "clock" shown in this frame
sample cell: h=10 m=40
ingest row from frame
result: h=2 m=57
